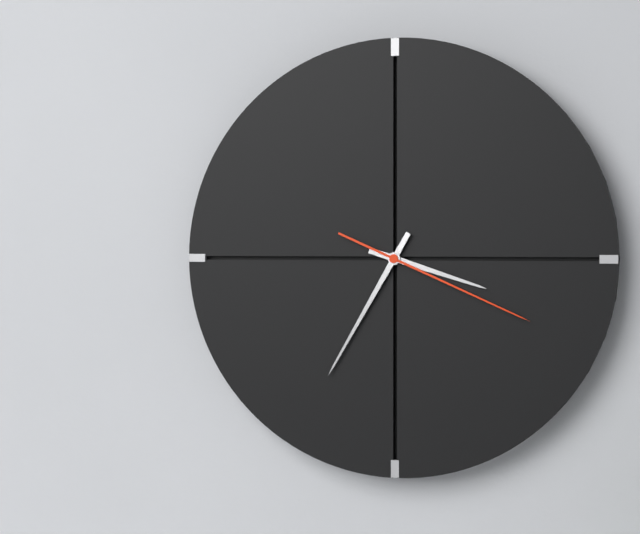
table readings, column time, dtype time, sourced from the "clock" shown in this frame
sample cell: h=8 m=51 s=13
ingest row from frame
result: h=3 m=35 s=19
